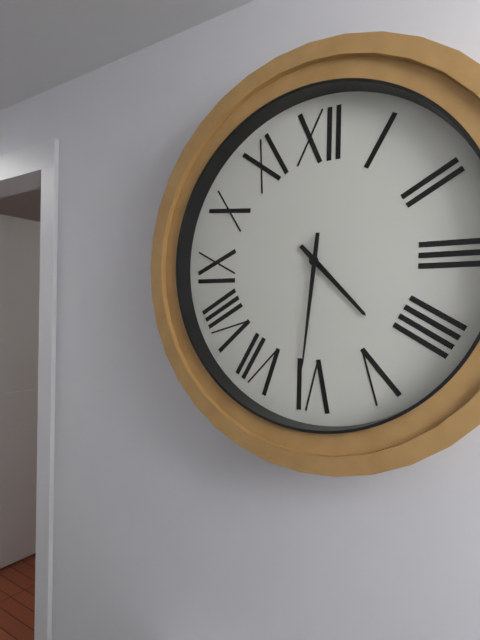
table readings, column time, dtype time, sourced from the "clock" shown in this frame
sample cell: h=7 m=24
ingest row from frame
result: h=4 m=31
